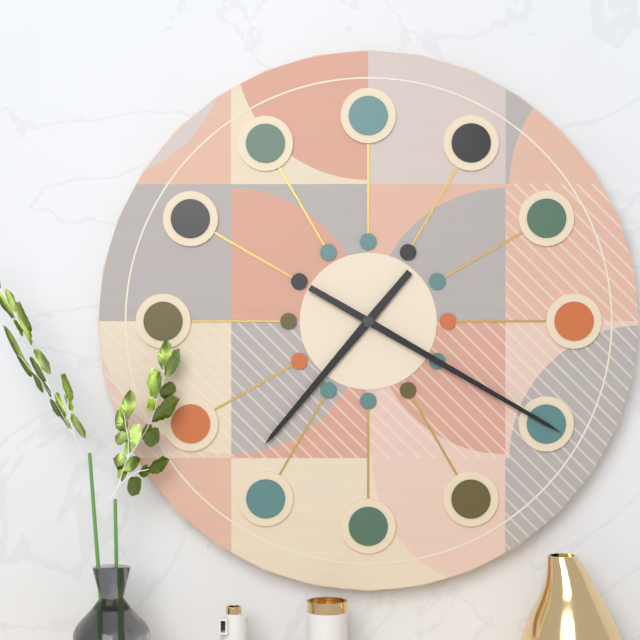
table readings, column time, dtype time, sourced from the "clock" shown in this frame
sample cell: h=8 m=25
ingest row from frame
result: h=7 m=20
